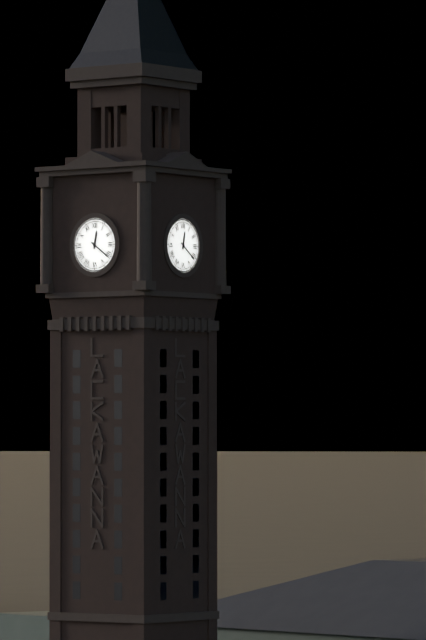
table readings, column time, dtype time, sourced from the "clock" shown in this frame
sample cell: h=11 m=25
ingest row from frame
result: h=12 m=21
